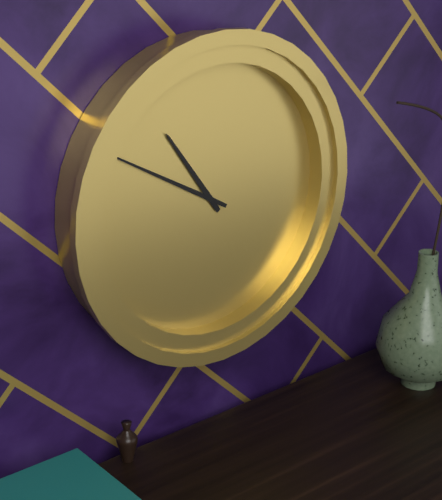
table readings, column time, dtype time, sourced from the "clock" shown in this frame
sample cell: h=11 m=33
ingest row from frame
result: h=10 m=50
